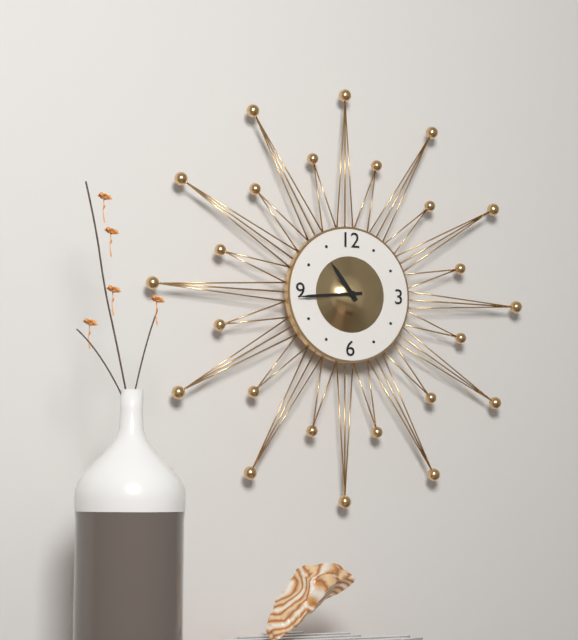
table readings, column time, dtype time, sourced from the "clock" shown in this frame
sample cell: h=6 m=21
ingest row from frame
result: h=10 m=44
